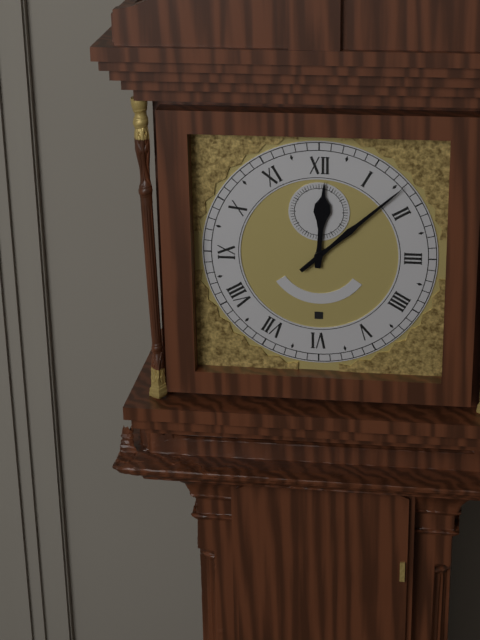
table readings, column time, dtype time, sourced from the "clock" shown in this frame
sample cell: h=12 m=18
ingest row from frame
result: h=12 m=8
